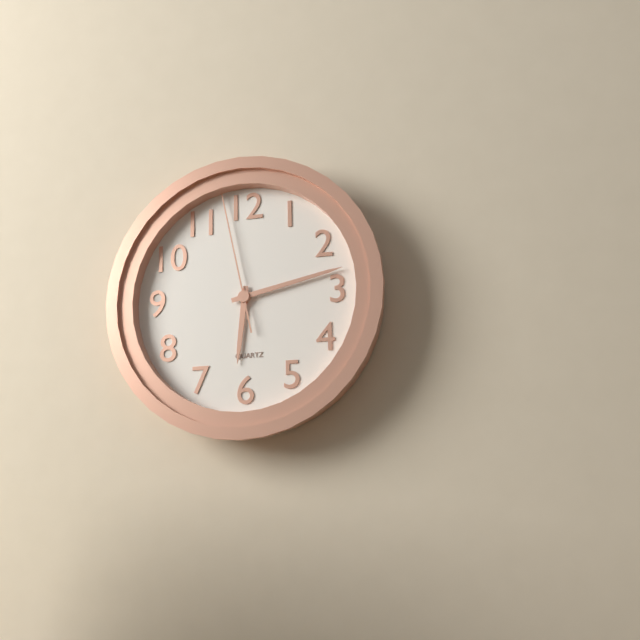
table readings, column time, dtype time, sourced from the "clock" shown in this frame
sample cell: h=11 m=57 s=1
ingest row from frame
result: h=6 m=13 s=58
